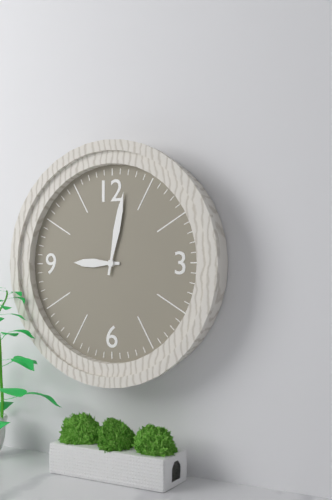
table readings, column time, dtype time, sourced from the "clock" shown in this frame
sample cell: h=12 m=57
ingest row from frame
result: h=9 m=2
